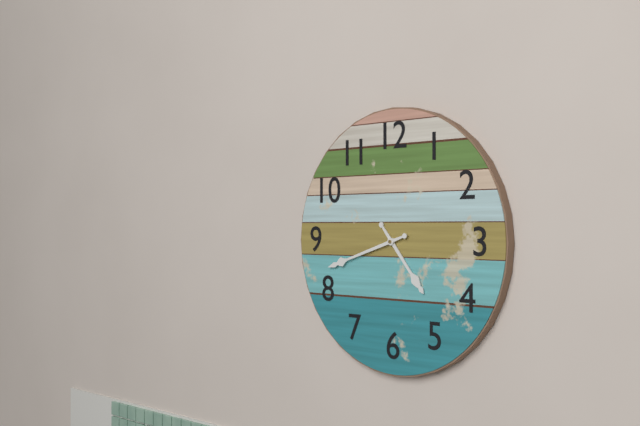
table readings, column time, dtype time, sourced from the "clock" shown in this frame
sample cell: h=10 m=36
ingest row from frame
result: h=4 m=42
